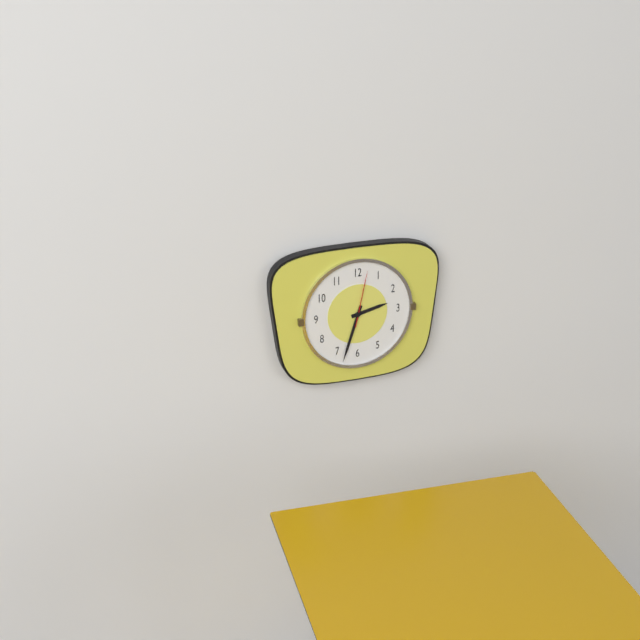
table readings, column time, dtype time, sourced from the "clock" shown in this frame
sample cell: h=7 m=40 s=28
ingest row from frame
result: h=2 m=33 s=2
